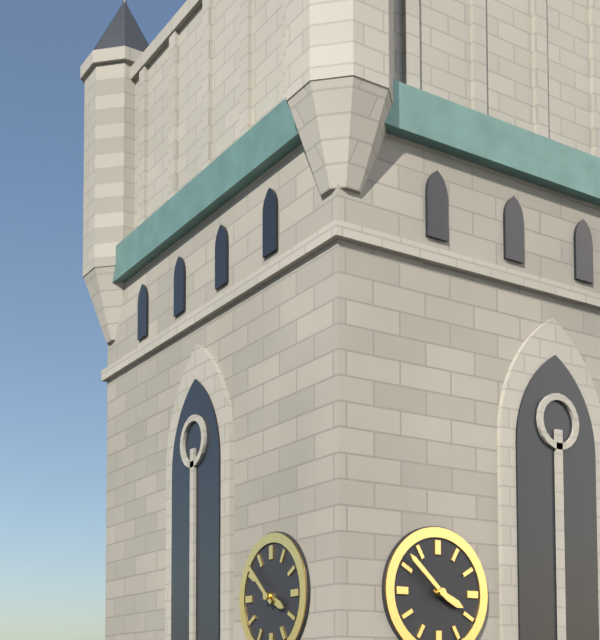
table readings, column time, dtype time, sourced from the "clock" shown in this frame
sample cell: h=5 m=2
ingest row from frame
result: h=3 m=52
